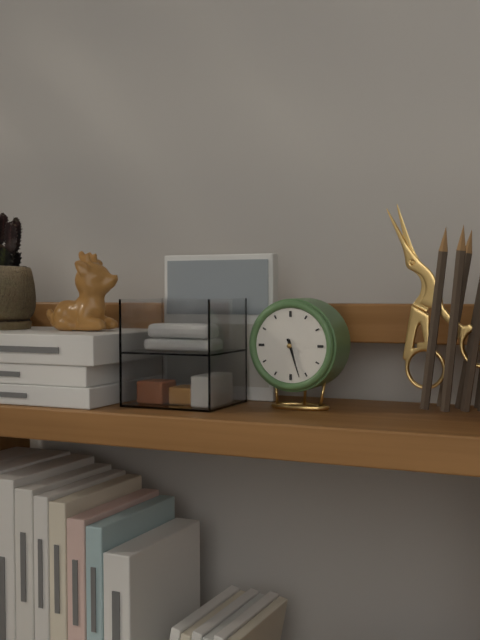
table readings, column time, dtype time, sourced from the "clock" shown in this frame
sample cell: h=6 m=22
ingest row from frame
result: h=5 m=27
